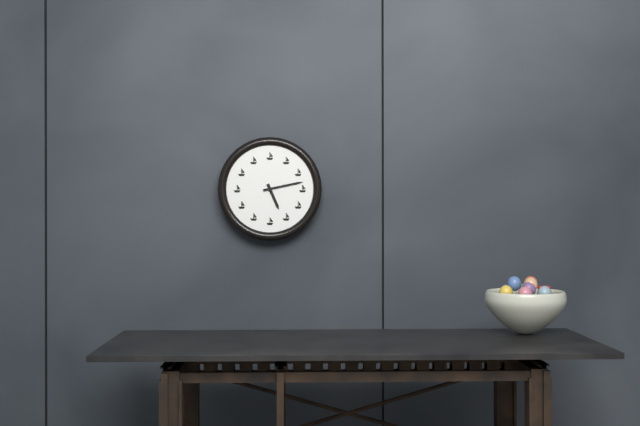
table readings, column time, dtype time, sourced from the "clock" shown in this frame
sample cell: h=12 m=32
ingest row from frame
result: h=5 m=13
